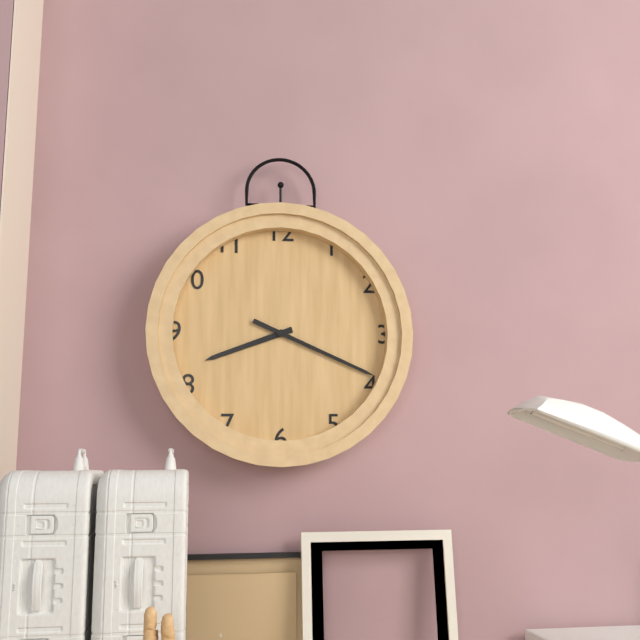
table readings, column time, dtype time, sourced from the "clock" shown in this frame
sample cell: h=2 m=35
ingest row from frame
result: h=8 m=19
